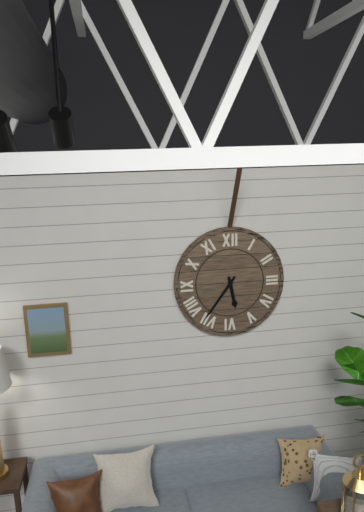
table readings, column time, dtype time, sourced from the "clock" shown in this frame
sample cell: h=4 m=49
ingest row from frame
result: h=5 m=36
